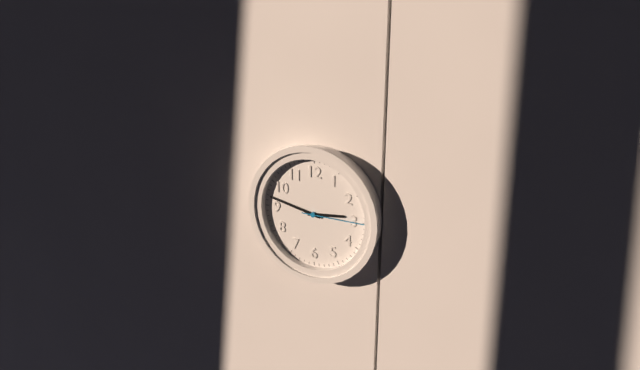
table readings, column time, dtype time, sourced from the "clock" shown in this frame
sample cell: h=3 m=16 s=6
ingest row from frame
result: h=2 m=47 s=15
